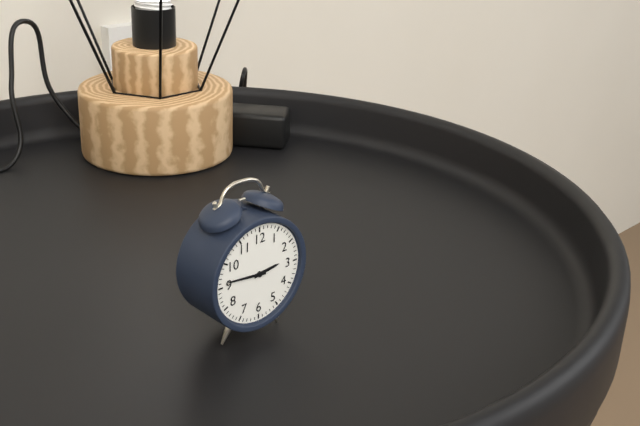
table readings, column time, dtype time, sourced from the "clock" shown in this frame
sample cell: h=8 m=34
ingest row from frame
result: h=2 m=46
